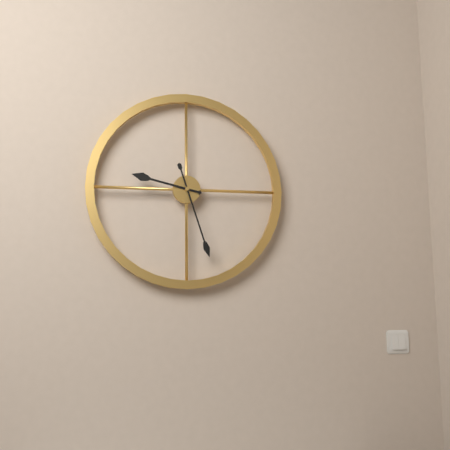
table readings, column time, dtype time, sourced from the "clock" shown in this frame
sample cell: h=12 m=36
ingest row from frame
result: h=9 m=27
